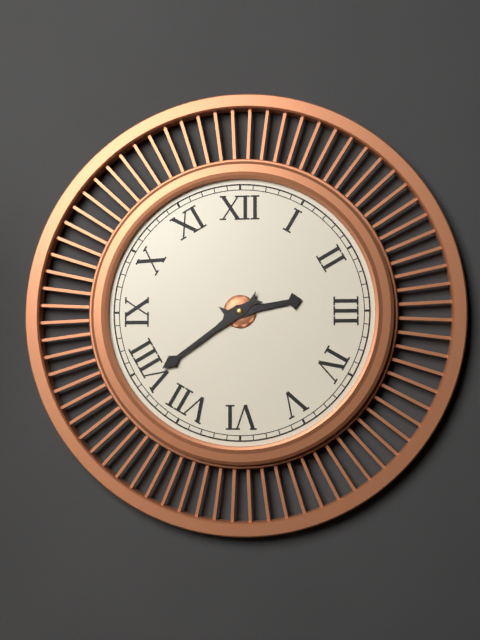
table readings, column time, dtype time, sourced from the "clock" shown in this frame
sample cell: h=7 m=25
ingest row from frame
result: h=2 m=39
